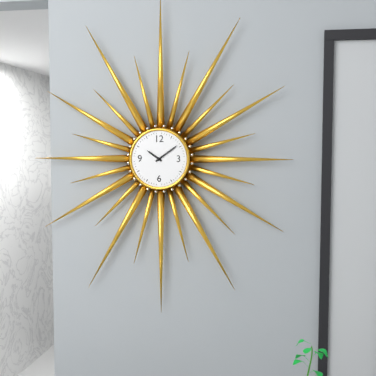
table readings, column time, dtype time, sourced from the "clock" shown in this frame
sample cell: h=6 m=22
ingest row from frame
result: h=10 m=9
